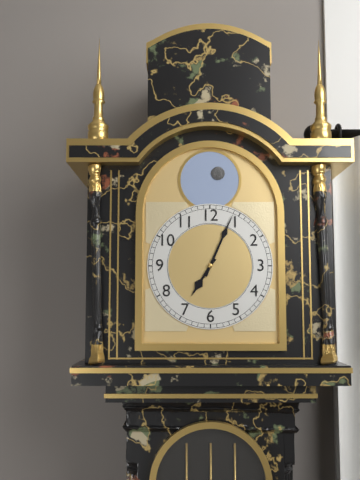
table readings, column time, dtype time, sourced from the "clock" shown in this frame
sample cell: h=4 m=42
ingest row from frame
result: h=7 m=4
